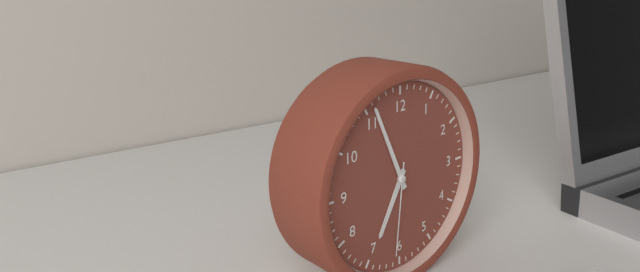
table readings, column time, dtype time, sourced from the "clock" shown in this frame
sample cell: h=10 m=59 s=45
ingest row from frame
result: h=6 m=56 s=31
